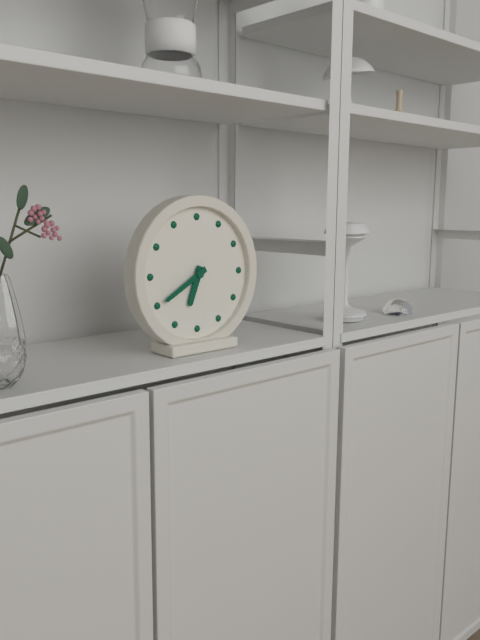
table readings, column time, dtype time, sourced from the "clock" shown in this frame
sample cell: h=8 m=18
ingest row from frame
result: h=6 m=40
